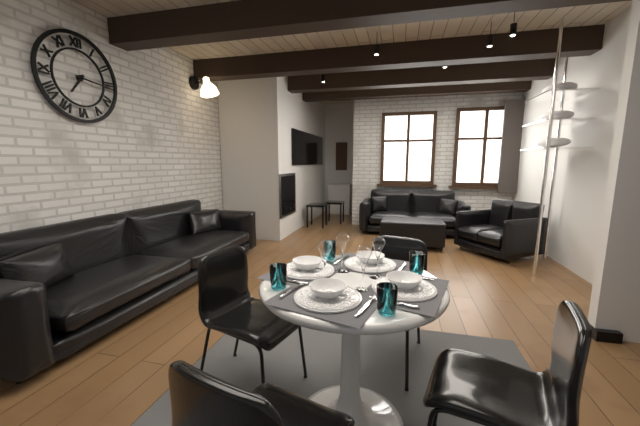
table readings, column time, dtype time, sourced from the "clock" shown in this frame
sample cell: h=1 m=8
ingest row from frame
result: h=7 m=16
